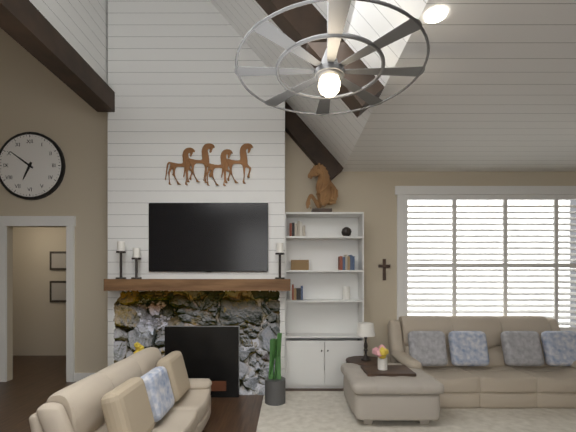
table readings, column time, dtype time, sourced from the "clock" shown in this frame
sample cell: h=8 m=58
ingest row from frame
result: h=6 m=51
